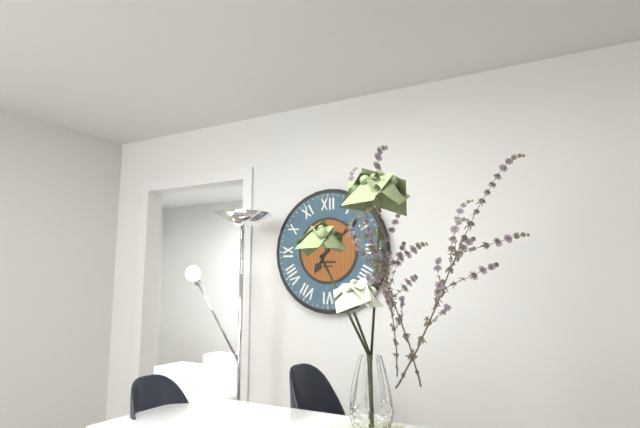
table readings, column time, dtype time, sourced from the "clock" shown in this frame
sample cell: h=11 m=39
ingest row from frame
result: h=7 m=8
